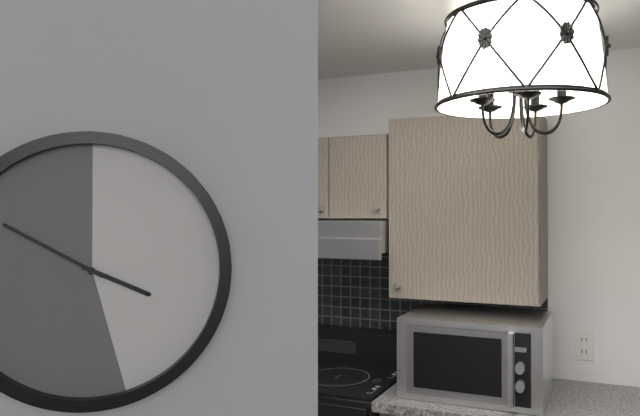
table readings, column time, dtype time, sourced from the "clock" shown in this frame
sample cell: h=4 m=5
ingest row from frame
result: h=3 m=50
